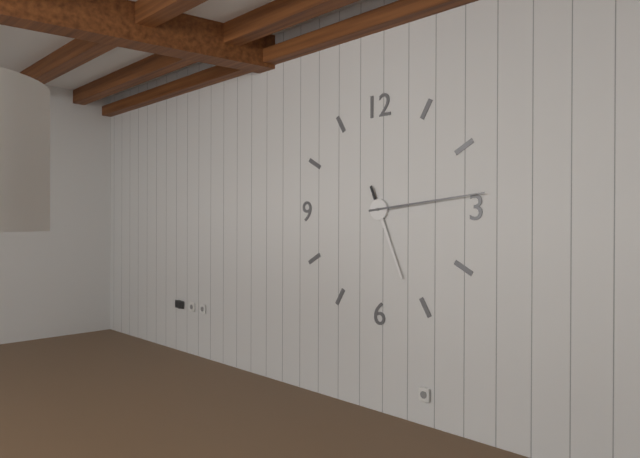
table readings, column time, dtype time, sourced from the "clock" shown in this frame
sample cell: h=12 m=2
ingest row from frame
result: h=5 m=14
